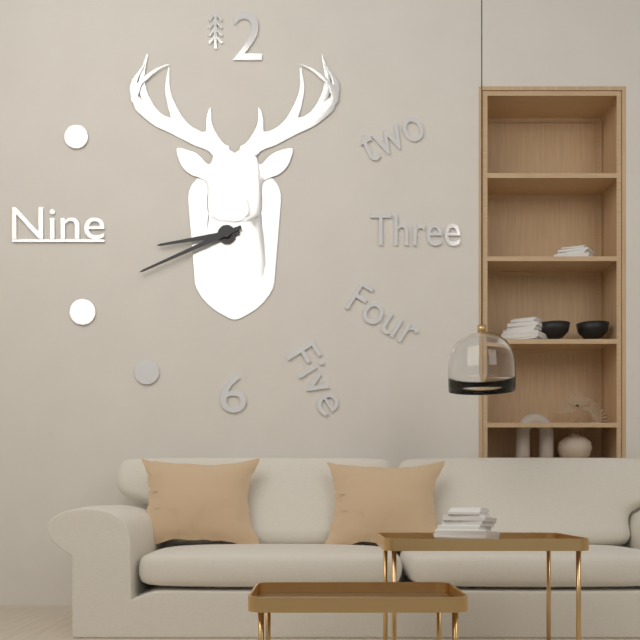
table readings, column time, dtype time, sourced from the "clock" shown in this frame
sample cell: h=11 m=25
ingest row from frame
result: h=8 m=41
